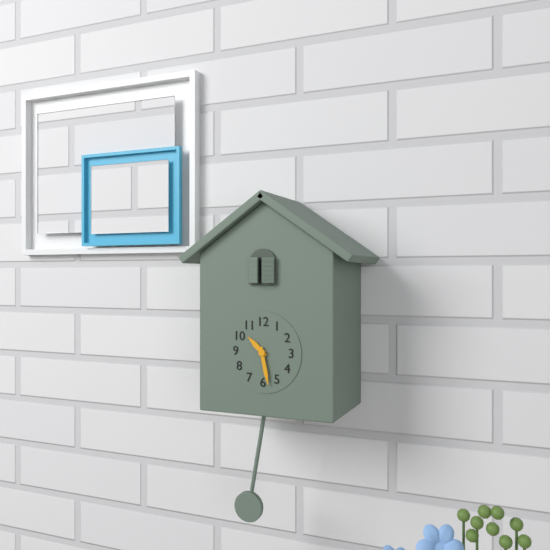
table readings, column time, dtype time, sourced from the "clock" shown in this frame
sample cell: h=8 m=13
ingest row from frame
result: h=10 m=28
